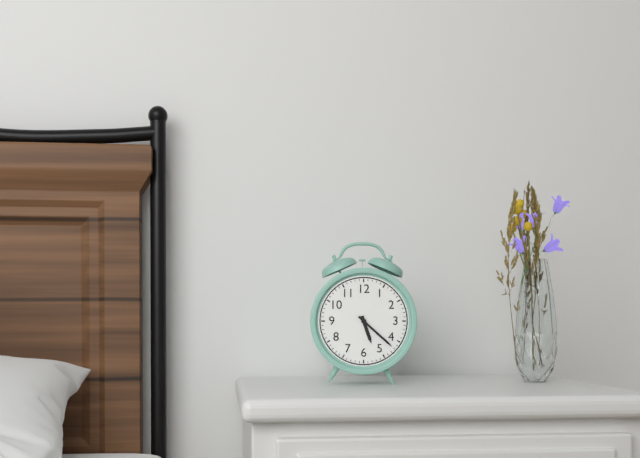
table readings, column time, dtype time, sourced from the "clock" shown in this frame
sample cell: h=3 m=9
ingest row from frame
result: h=5 m=22
